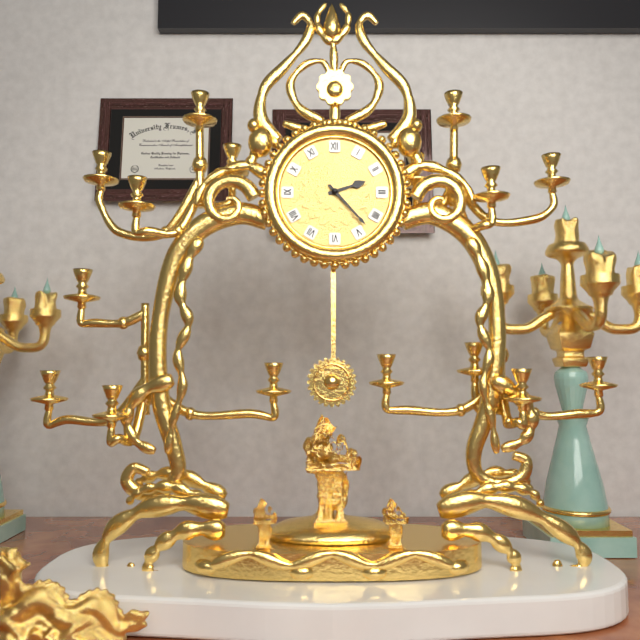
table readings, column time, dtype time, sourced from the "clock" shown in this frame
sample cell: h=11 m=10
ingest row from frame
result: h=2 m=23
